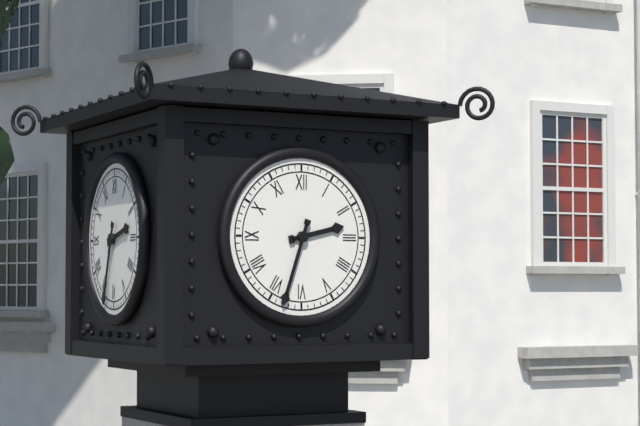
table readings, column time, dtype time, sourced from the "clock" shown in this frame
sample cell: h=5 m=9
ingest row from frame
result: h=2 m=33
